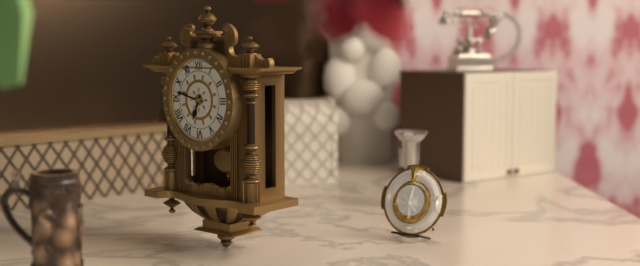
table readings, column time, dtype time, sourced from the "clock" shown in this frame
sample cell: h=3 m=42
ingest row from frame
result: h=6 m=47
